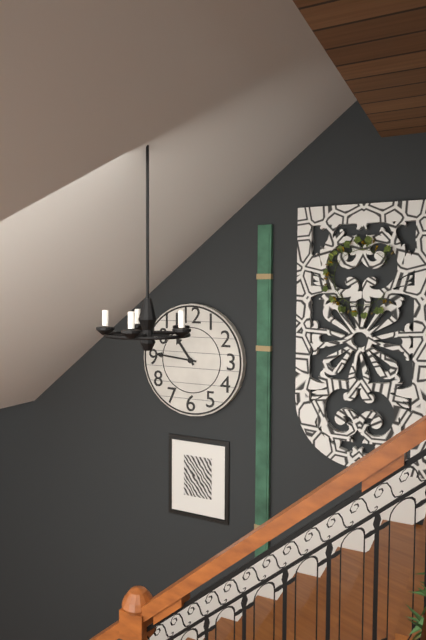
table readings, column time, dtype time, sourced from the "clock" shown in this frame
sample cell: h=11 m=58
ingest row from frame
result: h=10 m=46
